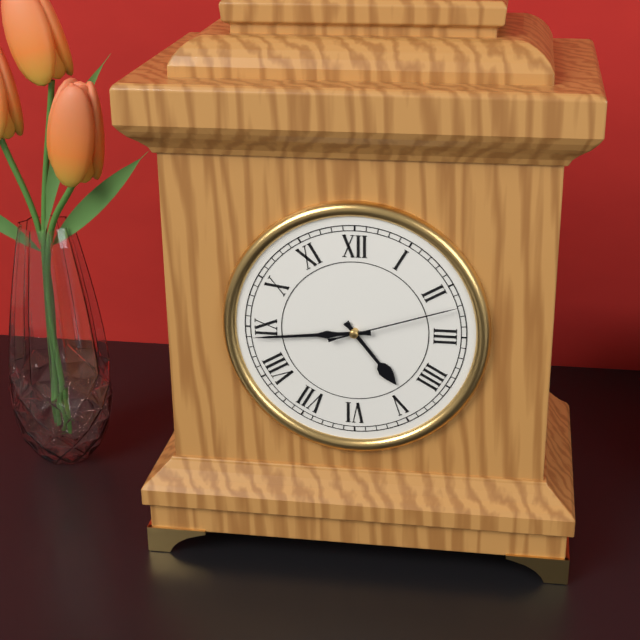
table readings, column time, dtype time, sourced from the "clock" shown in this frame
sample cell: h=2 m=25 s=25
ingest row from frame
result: h=4 m=44 s=12
